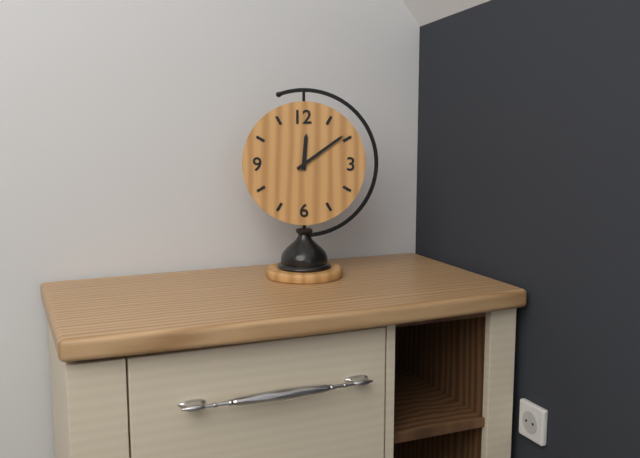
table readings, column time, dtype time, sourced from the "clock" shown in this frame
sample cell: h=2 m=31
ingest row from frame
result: h=12 m=9
